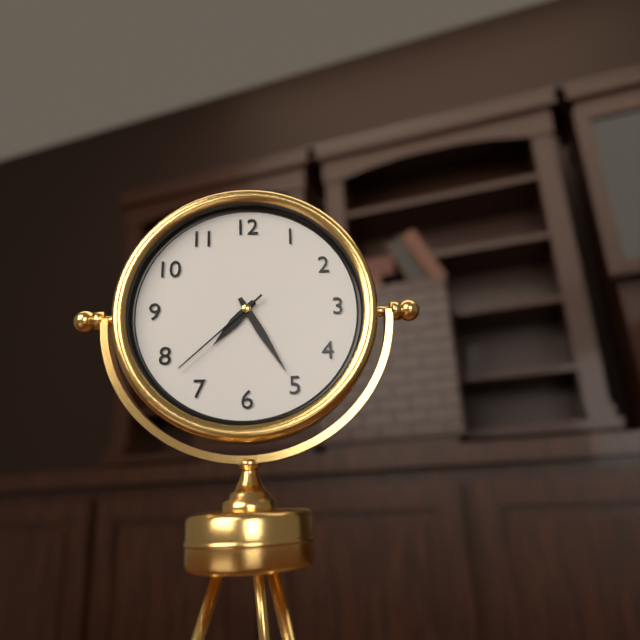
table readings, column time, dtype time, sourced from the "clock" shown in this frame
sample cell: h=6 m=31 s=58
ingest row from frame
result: h=7 m=25 s=38
